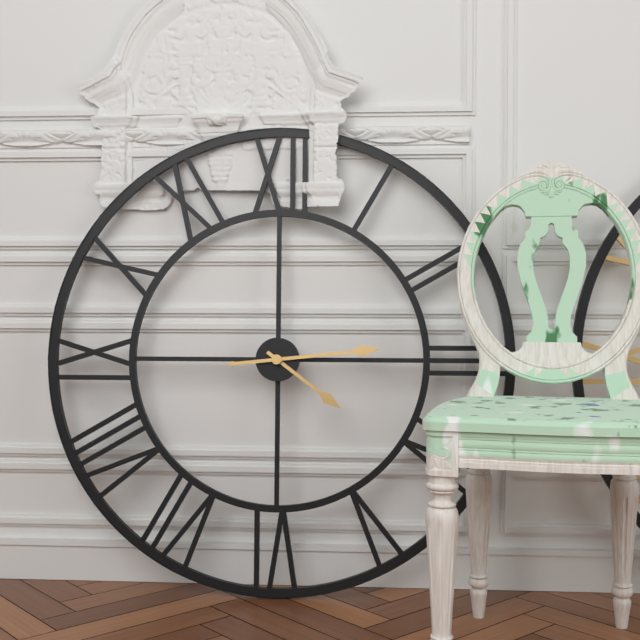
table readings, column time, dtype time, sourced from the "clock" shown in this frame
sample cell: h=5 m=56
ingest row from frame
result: h=4 m=14
